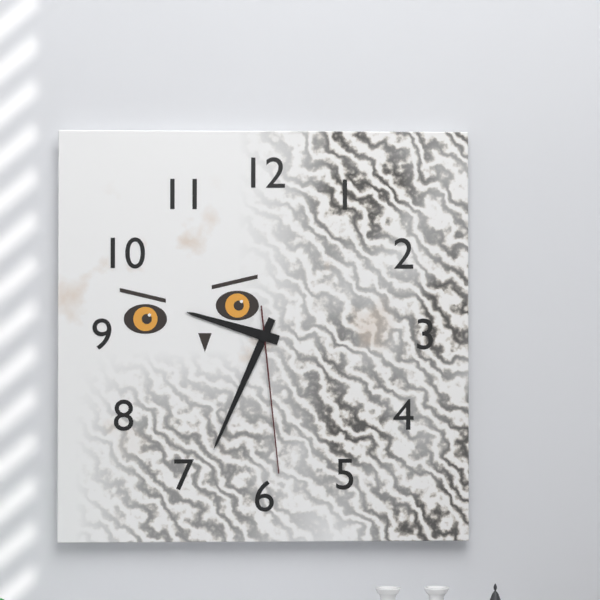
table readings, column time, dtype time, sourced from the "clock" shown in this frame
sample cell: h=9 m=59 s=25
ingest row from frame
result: h=9 m=34 s=29
